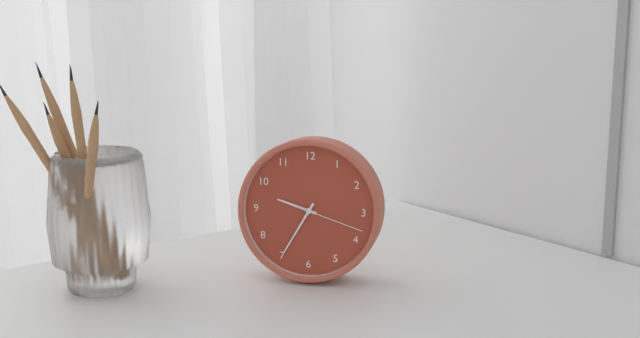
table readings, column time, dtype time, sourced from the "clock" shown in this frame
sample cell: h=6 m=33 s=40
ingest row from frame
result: h=9 m=35 s=18
